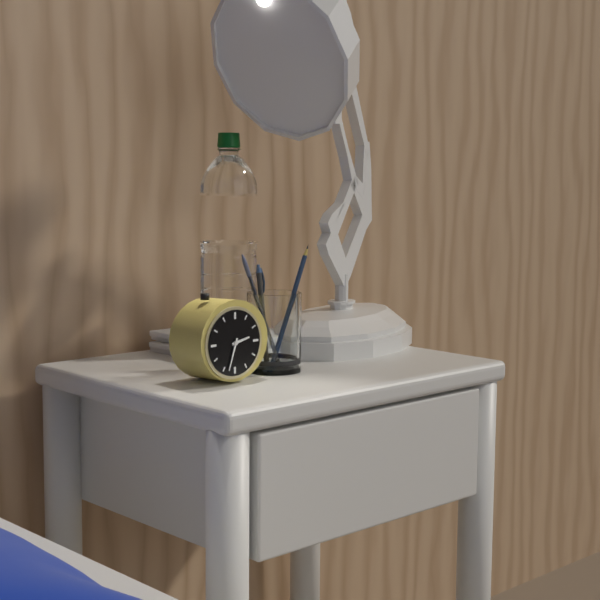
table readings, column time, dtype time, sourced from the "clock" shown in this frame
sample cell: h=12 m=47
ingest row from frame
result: h=2 m=33
